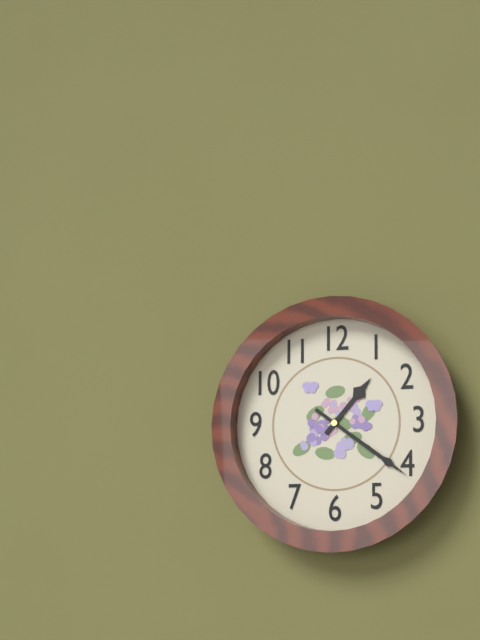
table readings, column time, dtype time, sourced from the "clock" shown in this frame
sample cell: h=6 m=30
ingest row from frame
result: h=1 m=21
